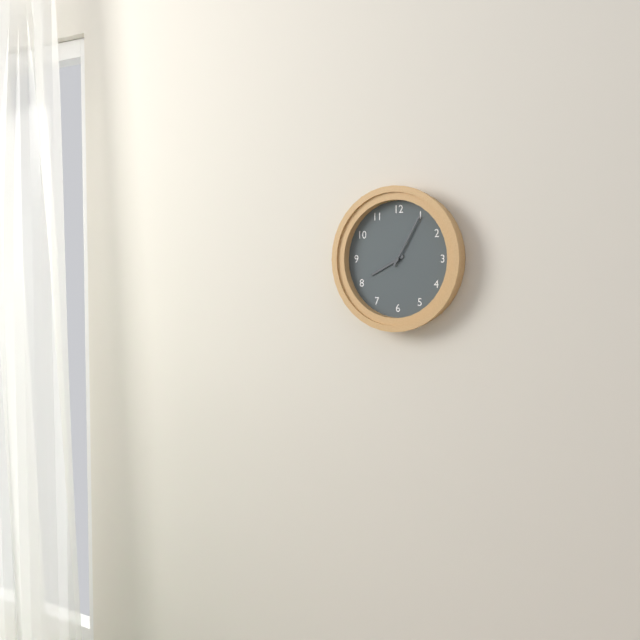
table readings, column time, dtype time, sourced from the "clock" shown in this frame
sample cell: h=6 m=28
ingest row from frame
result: h=8 m=5
